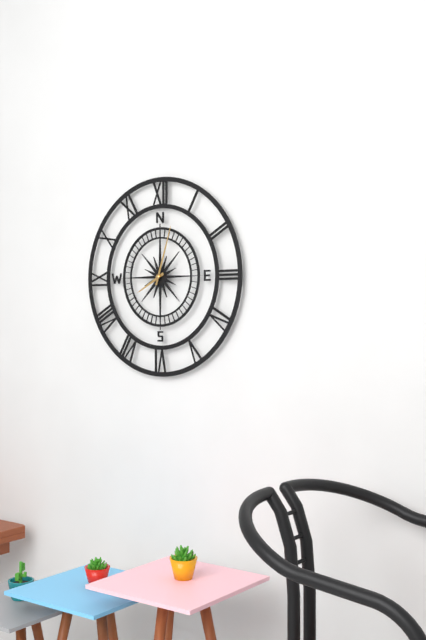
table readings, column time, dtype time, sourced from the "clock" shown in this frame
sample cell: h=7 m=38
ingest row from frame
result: h=8 m=3
